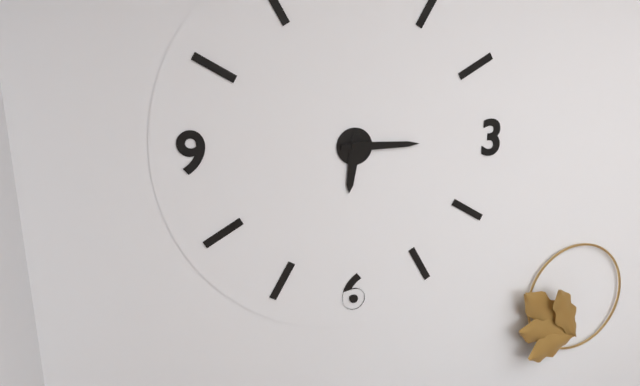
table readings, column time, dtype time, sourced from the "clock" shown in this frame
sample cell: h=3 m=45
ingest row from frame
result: h=6 m=15
